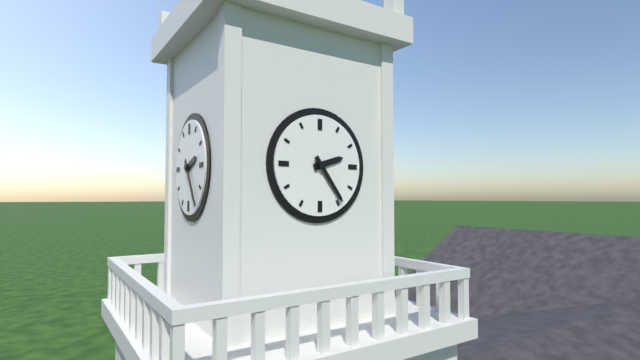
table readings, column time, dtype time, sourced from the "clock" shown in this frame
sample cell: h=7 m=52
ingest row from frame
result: h=2 m=24
